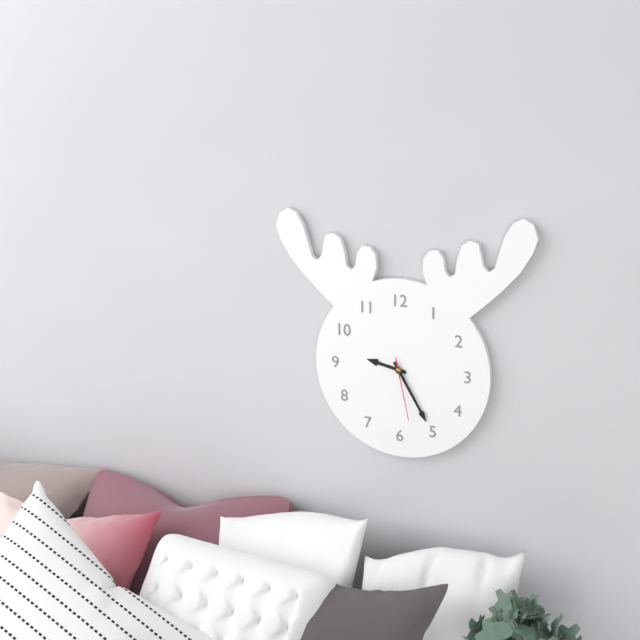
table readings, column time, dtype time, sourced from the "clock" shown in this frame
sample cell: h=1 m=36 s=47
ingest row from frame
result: h=9 m=25 s=28
